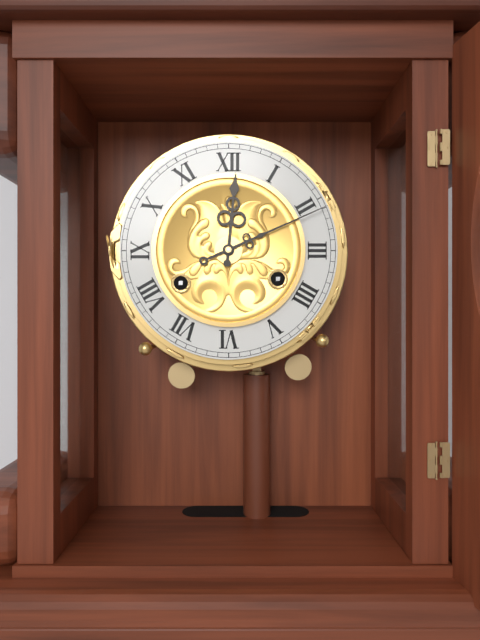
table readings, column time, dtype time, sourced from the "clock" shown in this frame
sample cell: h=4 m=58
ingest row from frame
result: h=12 m=11
